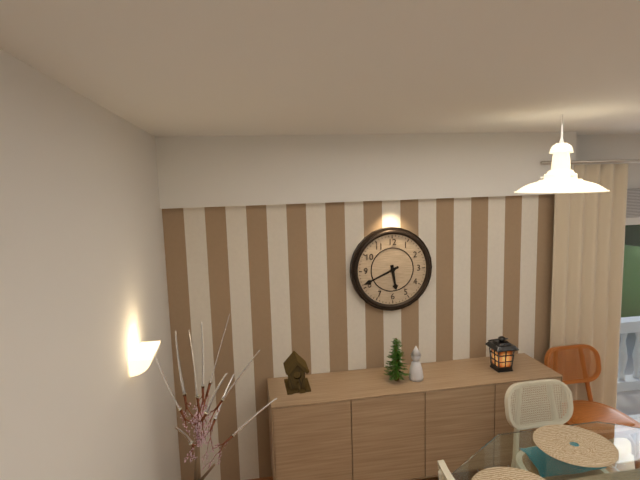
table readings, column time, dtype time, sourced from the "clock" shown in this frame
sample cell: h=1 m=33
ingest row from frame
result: h=5 m=41
